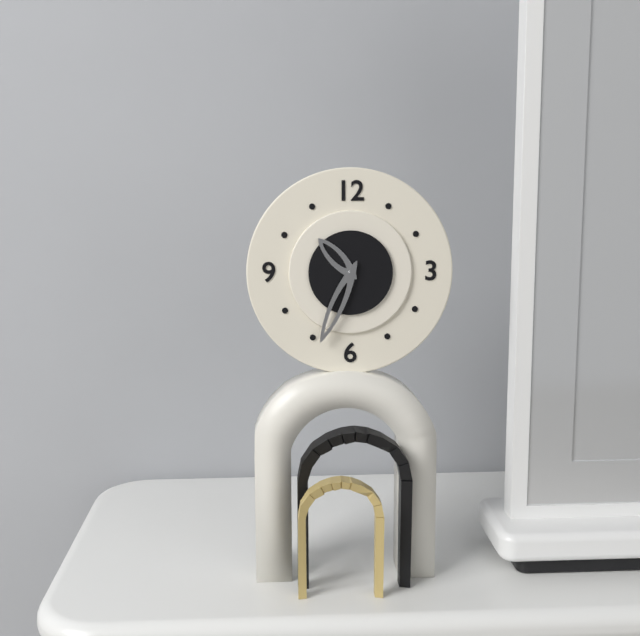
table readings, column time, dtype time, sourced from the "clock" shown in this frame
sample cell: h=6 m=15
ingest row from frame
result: h=10 m=34
